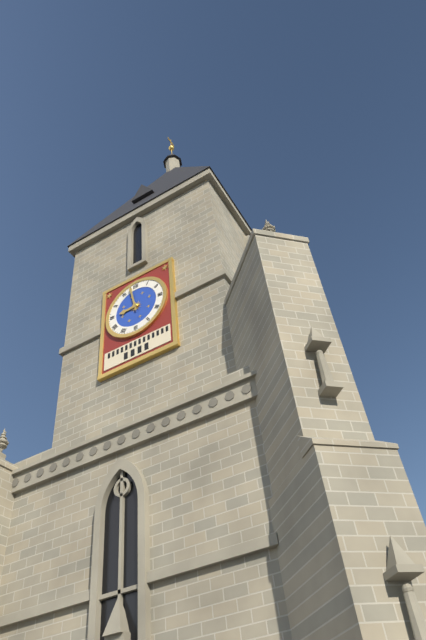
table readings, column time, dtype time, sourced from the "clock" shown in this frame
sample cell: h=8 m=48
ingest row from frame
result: h=8 m=58
